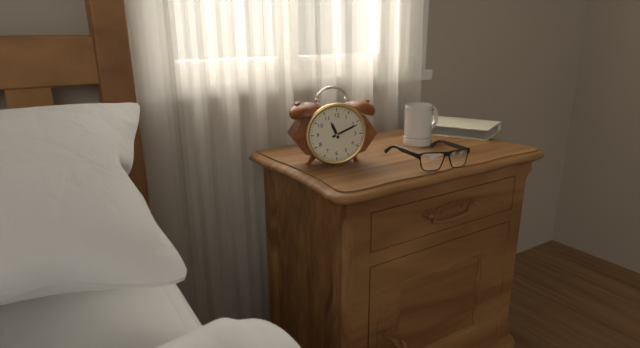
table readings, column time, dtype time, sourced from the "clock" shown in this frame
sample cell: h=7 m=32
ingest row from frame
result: h=11 m=11
